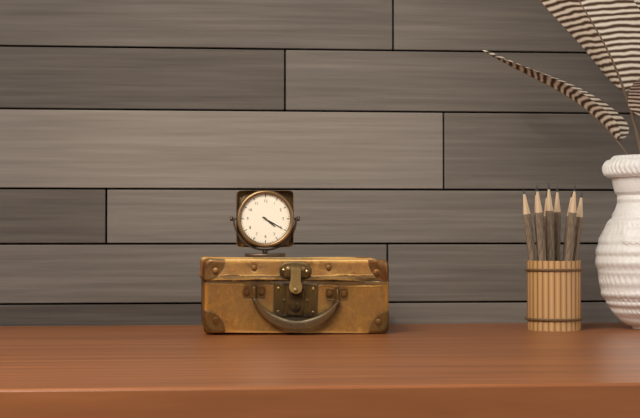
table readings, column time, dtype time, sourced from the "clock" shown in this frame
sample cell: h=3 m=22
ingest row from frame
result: h=4 m=20
